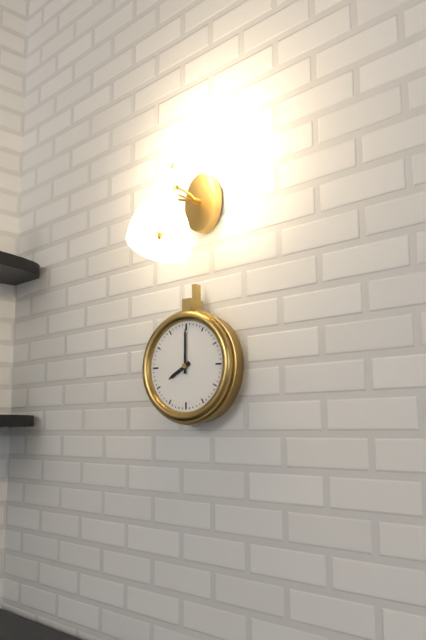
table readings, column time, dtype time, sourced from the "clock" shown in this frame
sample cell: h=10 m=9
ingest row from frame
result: h=8 m=0
